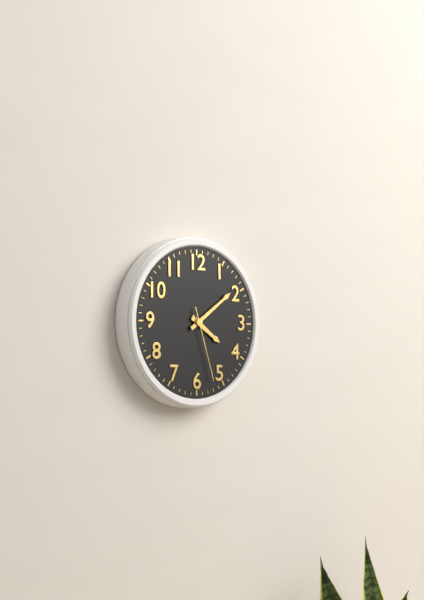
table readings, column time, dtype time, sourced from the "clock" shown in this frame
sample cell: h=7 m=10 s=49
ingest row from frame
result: h=4 m=9 s=27
